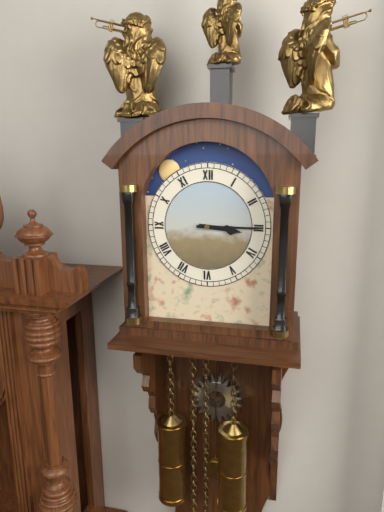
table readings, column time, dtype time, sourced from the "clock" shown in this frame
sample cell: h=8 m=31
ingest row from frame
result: h=3 m=15
